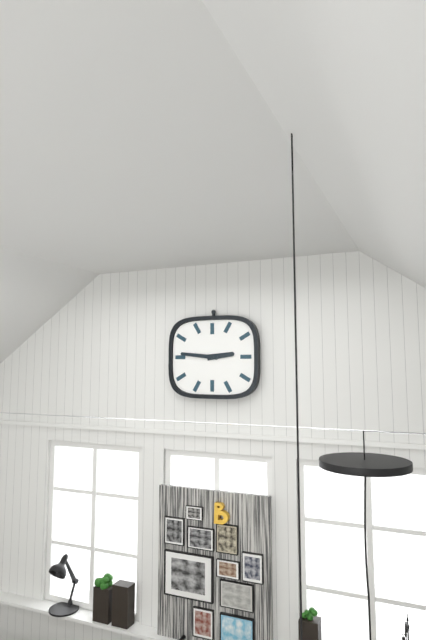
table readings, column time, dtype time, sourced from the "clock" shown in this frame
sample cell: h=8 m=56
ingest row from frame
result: h=2 m=46
